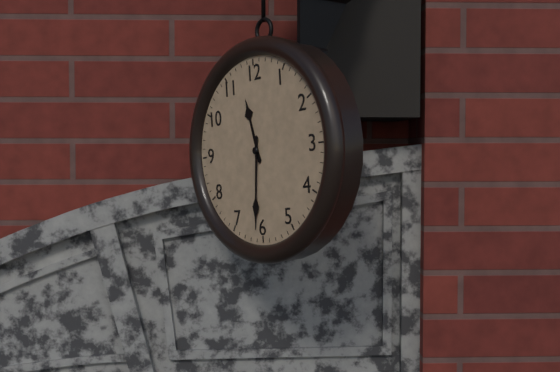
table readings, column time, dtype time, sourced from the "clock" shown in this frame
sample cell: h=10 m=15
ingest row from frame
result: h=11 m=31
